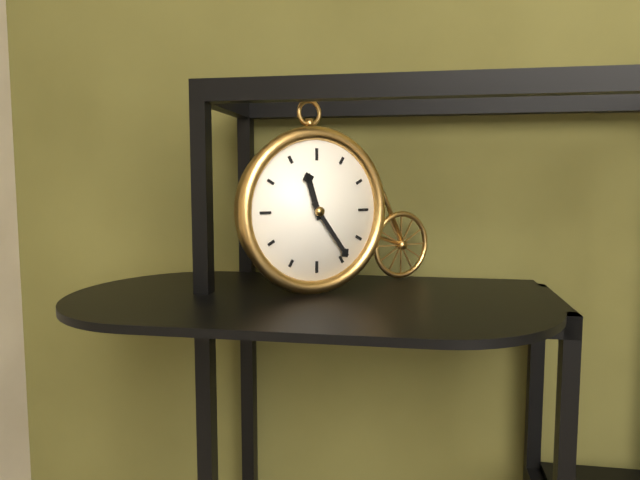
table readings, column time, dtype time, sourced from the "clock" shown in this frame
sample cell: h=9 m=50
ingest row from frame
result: h=11 m=24
